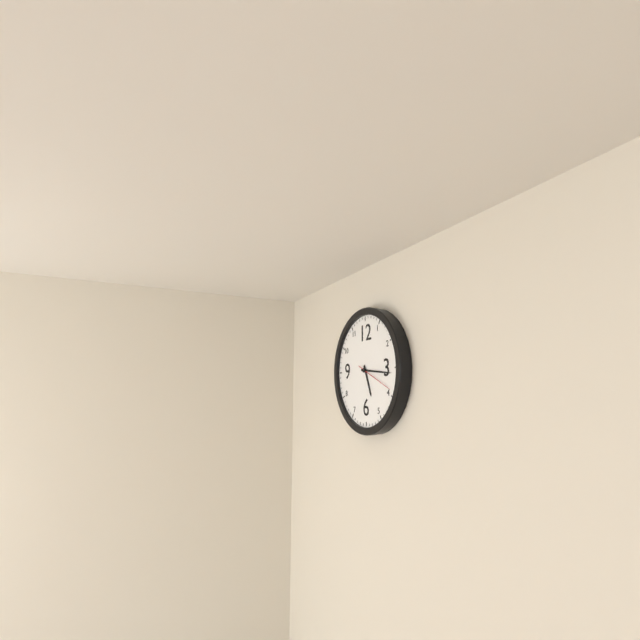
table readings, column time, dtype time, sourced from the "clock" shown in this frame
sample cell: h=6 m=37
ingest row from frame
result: h=5 m=16
